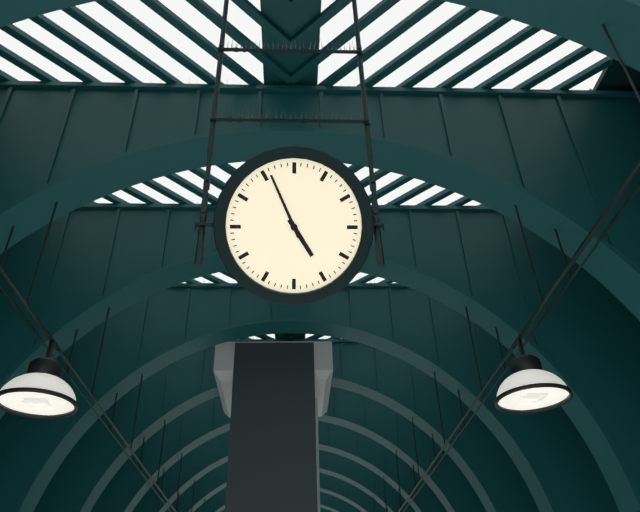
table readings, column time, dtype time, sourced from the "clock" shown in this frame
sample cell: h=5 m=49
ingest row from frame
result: h=4 m=56
